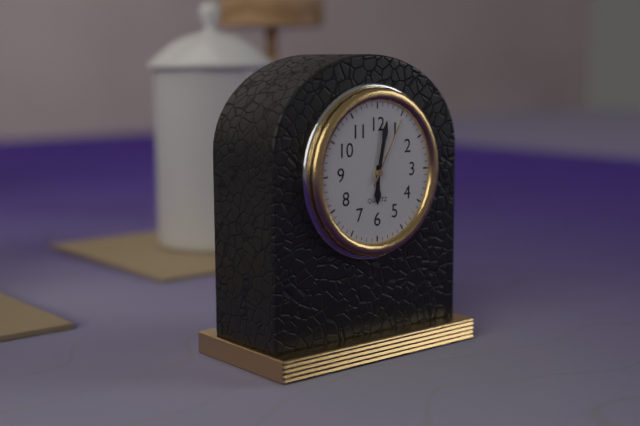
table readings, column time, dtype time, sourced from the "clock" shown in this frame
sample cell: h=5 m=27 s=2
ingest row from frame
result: h=6 m=2 s=5
